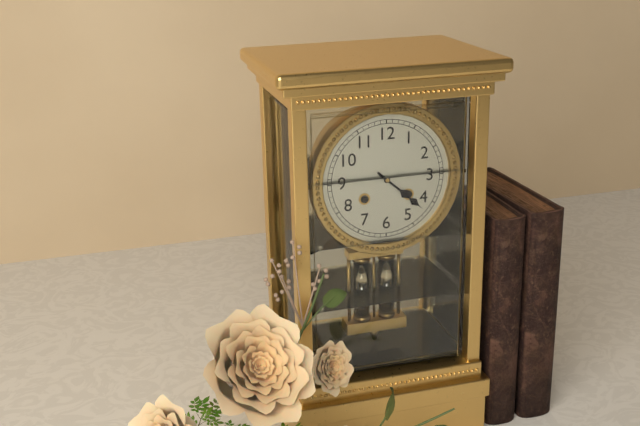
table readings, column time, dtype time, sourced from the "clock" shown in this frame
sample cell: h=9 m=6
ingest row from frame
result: h=4 m=22
